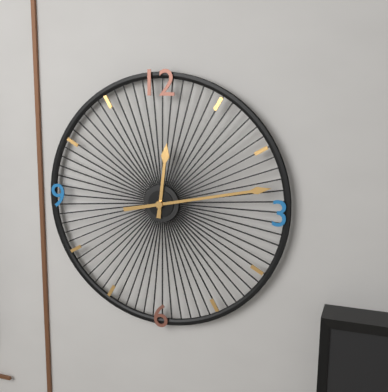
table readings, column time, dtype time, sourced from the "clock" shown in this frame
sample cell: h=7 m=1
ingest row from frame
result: h=12 m=13
